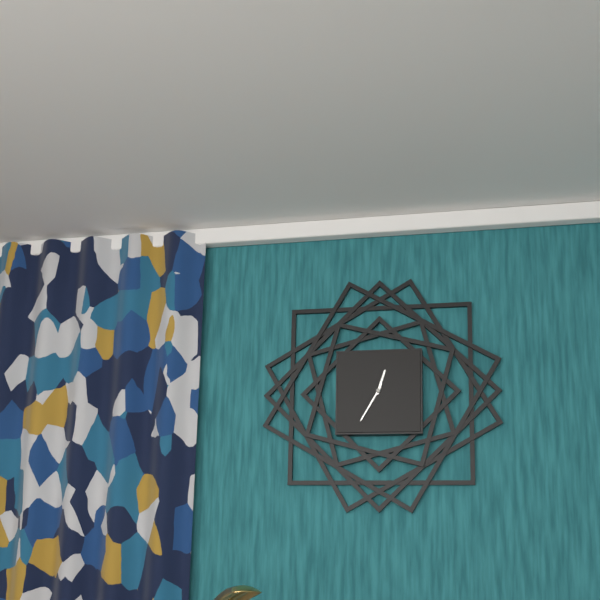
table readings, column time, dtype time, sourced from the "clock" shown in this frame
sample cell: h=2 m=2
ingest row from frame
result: h=12 m=35
